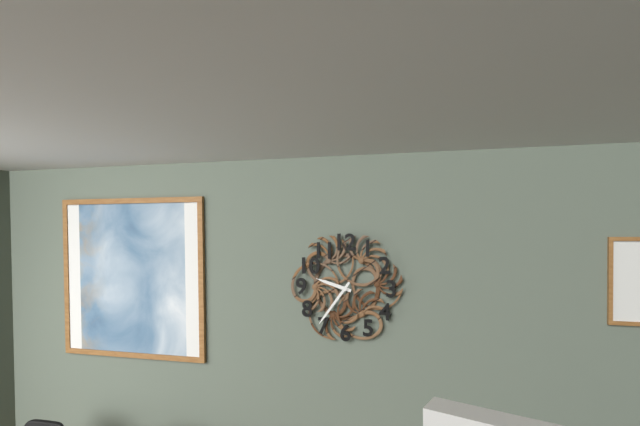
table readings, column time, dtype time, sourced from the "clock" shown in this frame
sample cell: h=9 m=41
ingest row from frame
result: h=9 m=36
